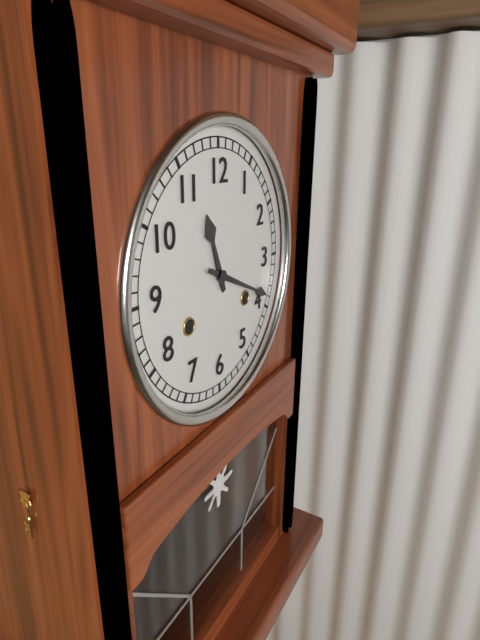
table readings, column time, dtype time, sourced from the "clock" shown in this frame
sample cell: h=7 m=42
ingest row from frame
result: h=11 m=19
